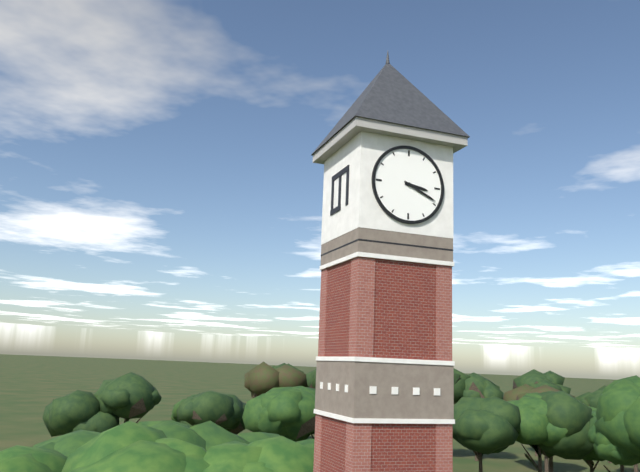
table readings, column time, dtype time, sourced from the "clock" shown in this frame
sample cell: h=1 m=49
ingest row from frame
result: h=3 m=19
